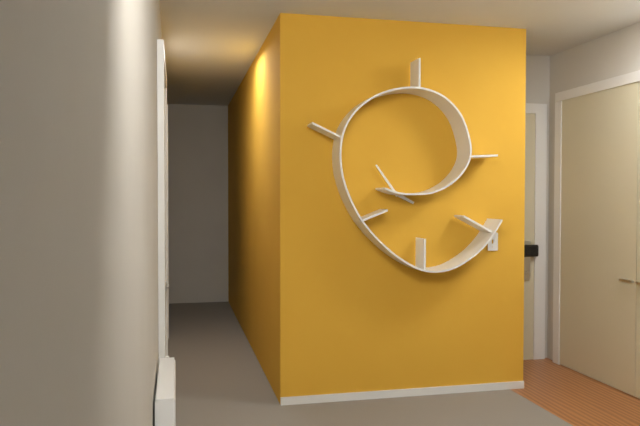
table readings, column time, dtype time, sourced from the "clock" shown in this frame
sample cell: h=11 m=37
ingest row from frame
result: h=3 m=54
